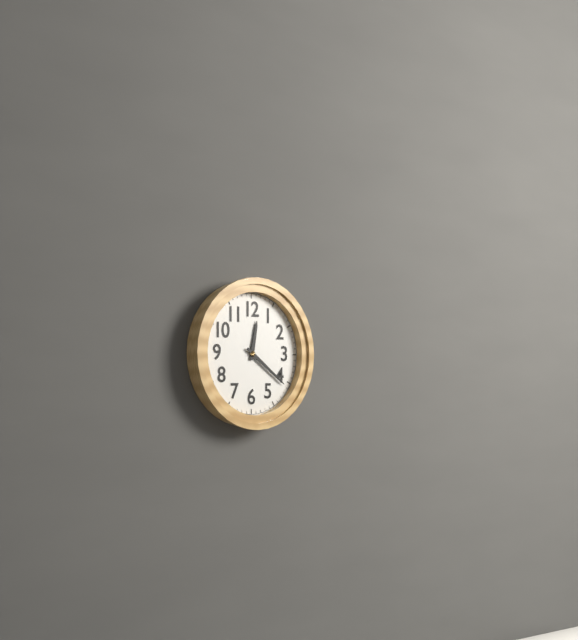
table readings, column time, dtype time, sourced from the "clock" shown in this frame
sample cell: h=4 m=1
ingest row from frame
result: h=12 m=21
